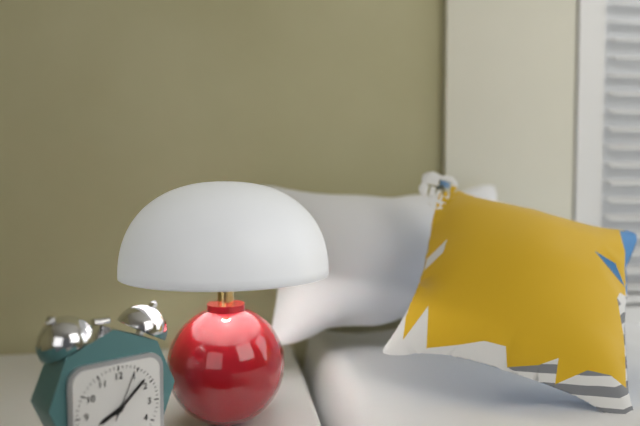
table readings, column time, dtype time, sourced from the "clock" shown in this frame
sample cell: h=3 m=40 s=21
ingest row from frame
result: h=8 m=8 s=4
